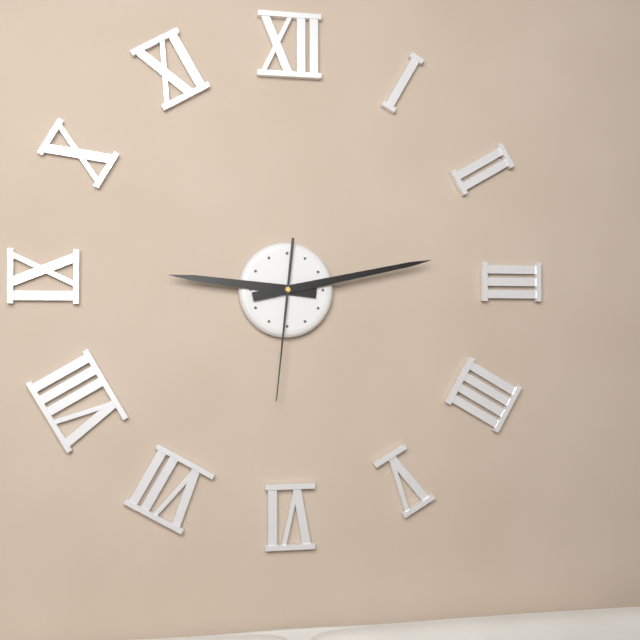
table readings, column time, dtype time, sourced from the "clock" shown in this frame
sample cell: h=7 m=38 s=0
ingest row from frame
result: h=9 m=13 s=31
